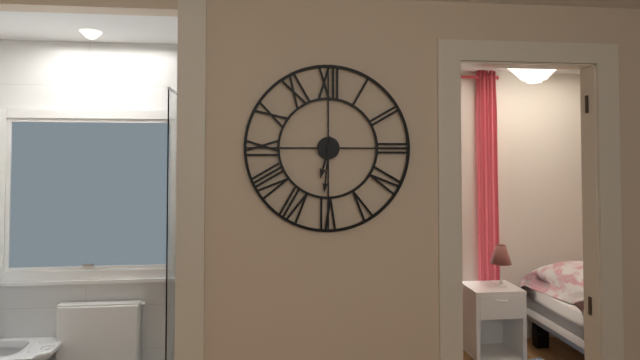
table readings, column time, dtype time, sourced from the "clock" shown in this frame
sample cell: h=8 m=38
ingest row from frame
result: h=6 m=31
